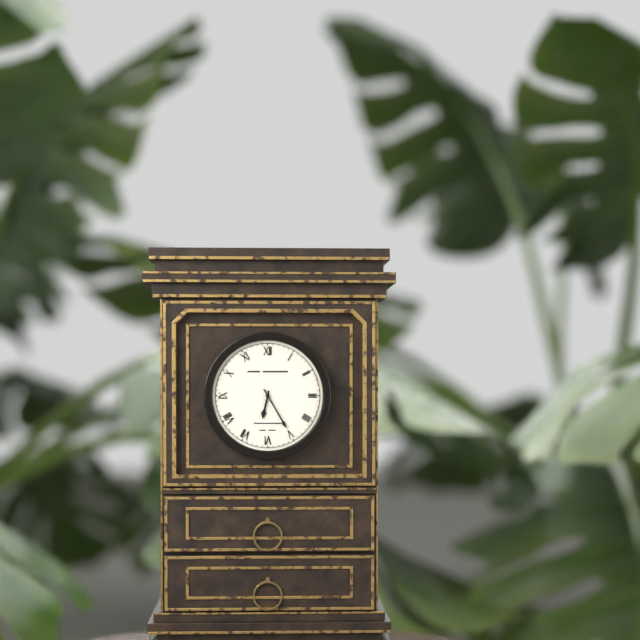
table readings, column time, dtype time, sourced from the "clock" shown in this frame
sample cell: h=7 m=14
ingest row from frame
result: h=6 m=25
